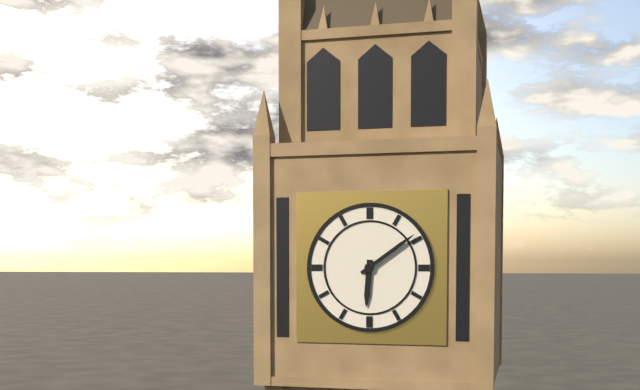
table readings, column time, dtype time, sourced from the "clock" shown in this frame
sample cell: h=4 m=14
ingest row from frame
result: h=6 m=9
